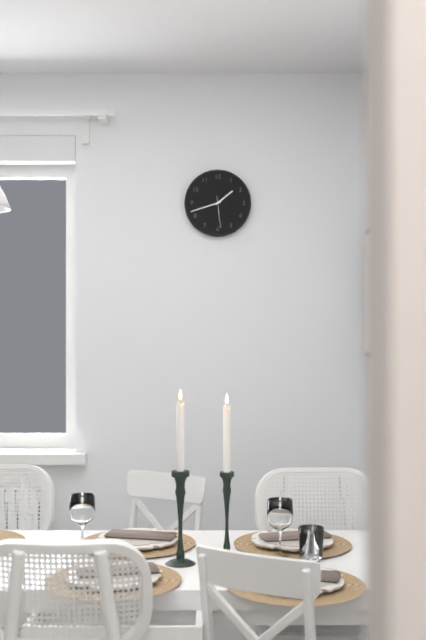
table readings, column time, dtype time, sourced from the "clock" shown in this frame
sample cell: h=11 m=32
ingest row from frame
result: h=1 m=42
